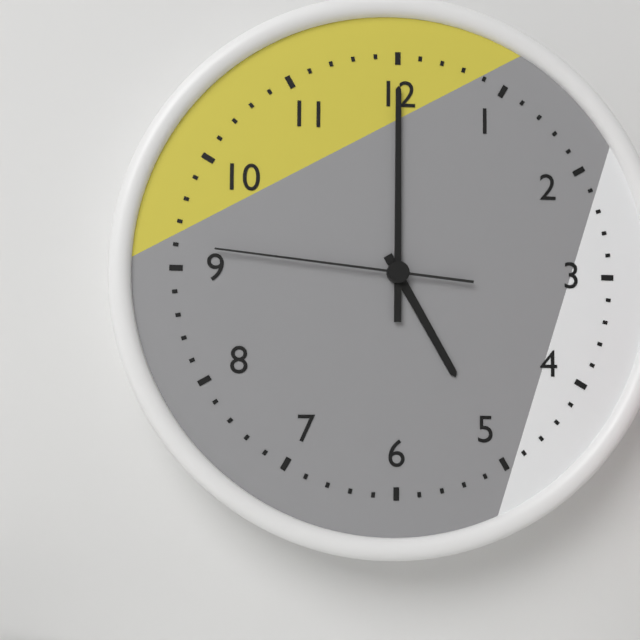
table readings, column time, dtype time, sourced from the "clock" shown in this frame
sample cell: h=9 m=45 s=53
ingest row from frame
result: h=5 m=0 s=46
